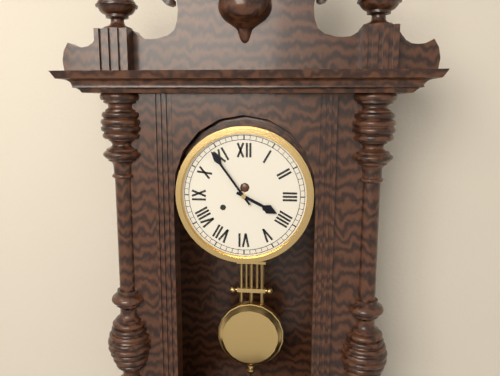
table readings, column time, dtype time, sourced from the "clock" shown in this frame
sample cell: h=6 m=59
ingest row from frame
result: h=3 m=54
